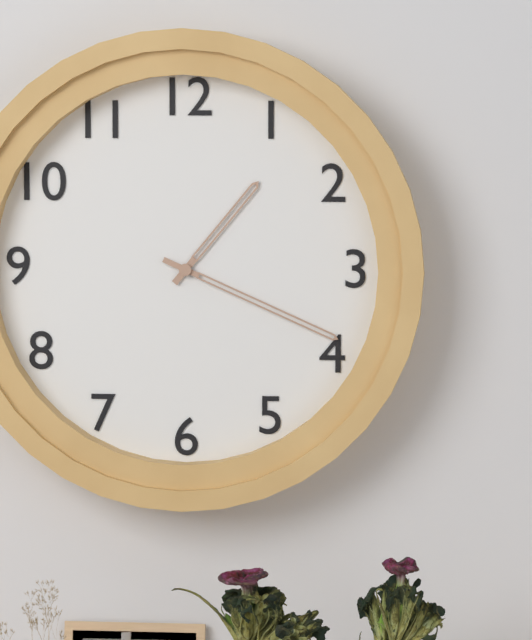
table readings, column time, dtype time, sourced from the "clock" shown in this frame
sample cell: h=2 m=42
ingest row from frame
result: h=1 m=19
